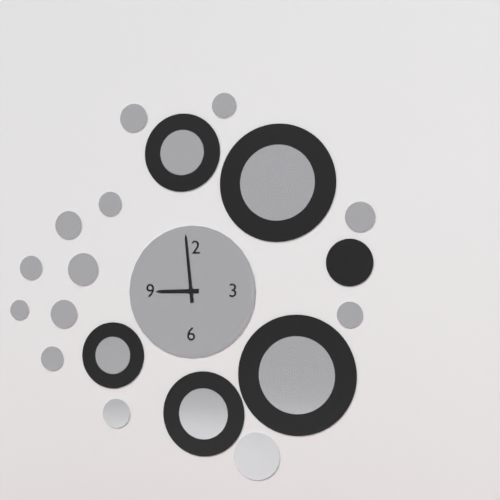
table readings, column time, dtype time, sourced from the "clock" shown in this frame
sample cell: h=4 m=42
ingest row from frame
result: h=8 m=59
